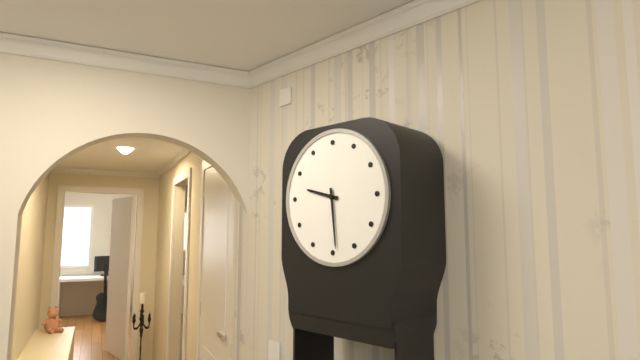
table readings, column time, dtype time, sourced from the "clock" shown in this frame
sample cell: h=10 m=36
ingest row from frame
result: h=9 m=29
